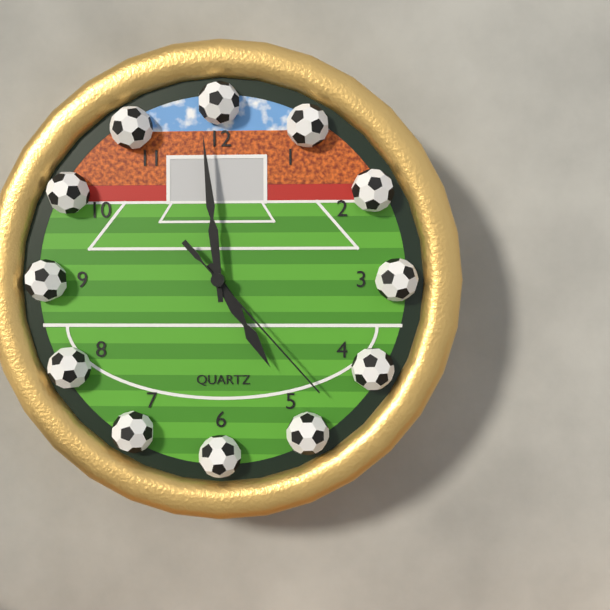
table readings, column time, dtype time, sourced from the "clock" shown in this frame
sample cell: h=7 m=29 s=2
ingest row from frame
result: h=4 m=59 s=23
